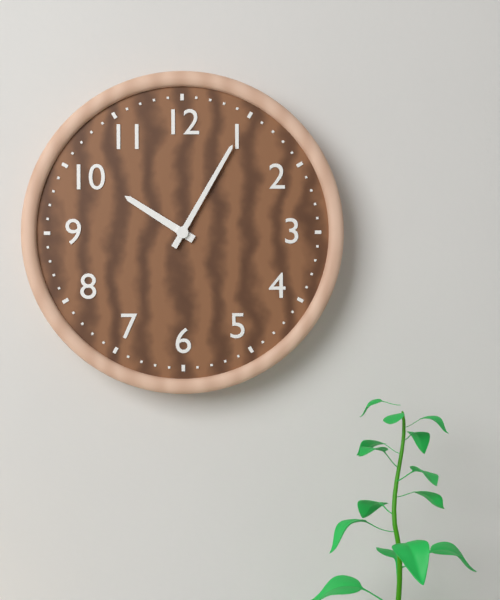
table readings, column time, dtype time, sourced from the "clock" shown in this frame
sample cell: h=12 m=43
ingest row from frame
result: h=10 m=5
